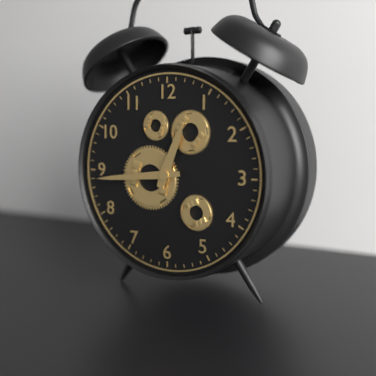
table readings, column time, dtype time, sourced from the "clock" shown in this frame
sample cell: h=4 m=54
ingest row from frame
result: h=12 m=44
